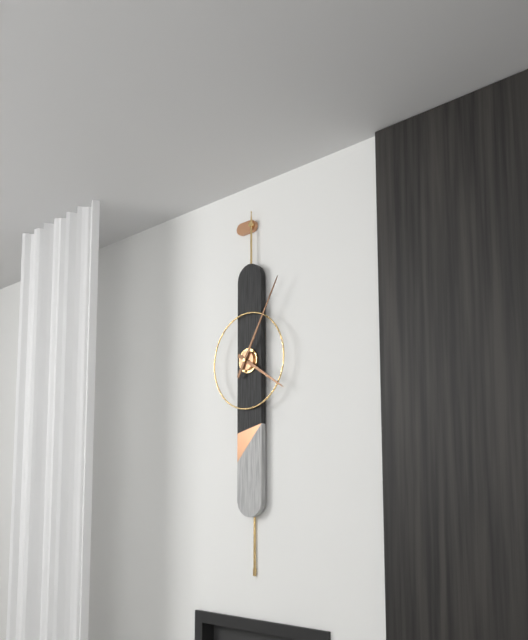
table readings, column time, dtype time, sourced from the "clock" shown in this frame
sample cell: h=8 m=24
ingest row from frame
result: h=4 m=5
